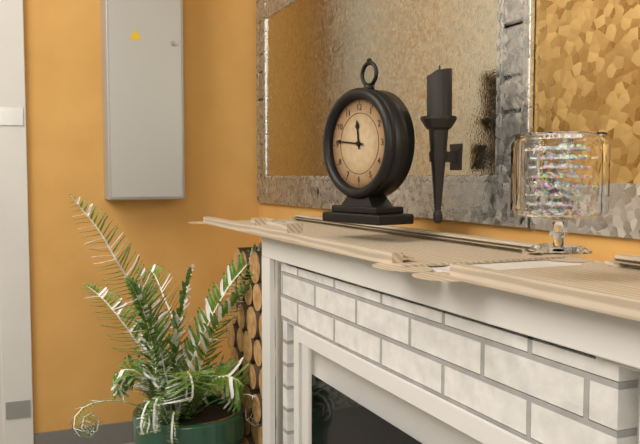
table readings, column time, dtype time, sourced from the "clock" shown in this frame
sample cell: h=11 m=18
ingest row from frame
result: h=11 m=46
